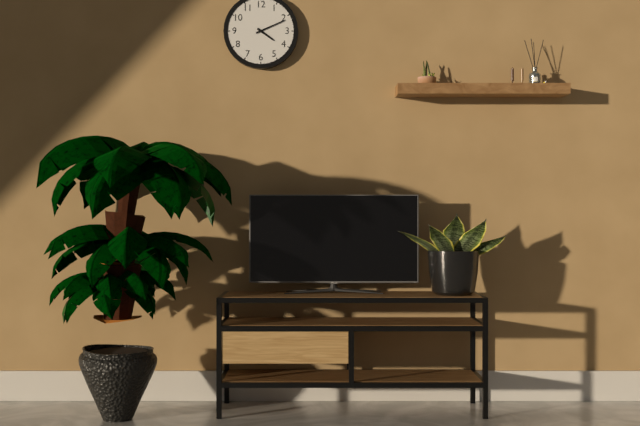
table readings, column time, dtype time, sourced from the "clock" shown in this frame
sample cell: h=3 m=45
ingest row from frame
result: h=4 m=11
